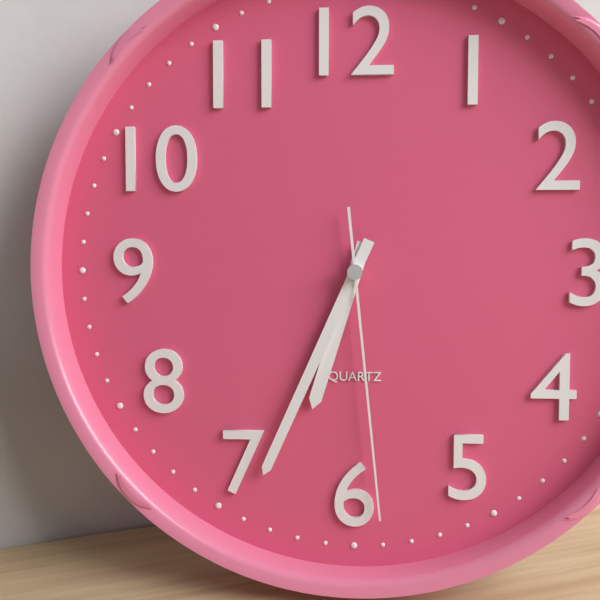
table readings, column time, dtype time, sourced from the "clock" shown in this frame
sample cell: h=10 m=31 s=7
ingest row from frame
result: h=6 m=34 s=29
